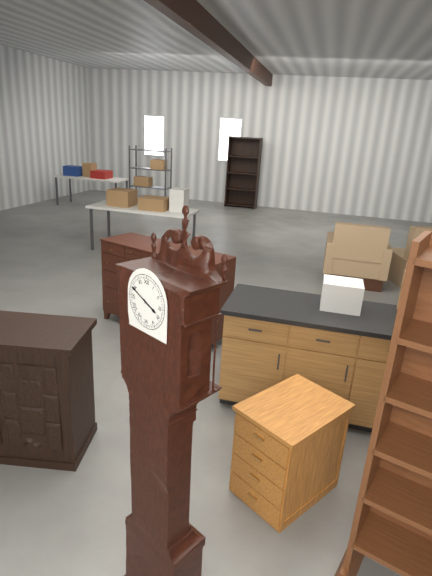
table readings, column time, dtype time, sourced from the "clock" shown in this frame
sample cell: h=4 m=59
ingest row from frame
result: h=3 m=49
